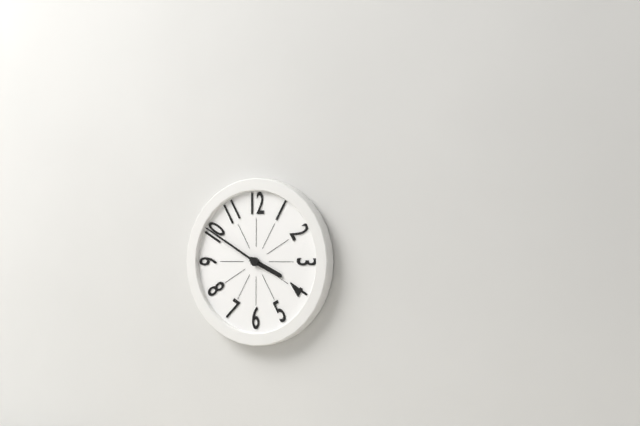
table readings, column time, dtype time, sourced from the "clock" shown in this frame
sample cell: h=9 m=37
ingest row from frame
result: h=3 m=50
